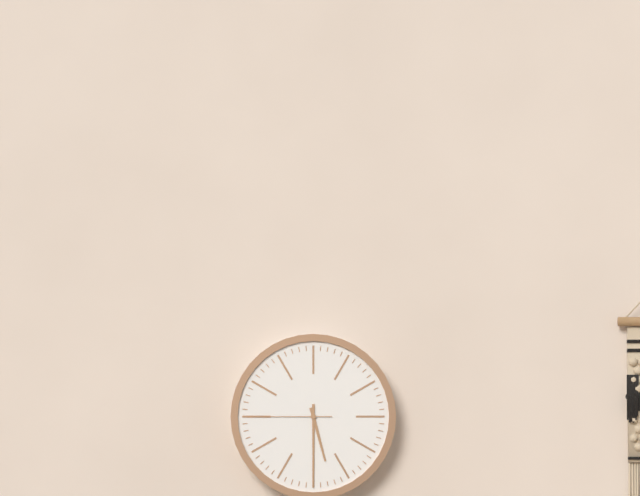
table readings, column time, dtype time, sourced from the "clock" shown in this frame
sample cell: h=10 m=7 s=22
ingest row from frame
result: h=5 m=30 s=45
